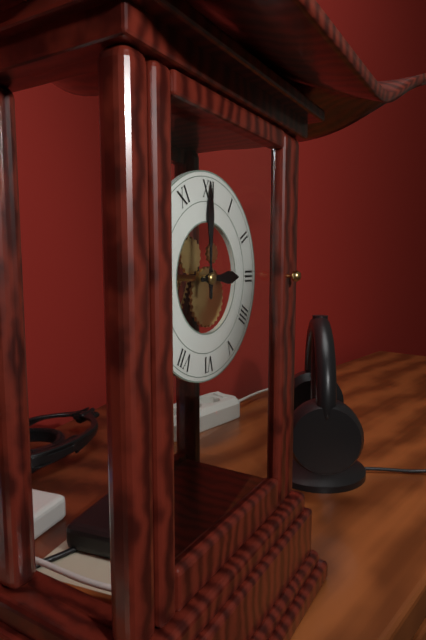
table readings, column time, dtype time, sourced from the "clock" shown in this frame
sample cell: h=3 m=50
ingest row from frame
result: h=3 m=0
